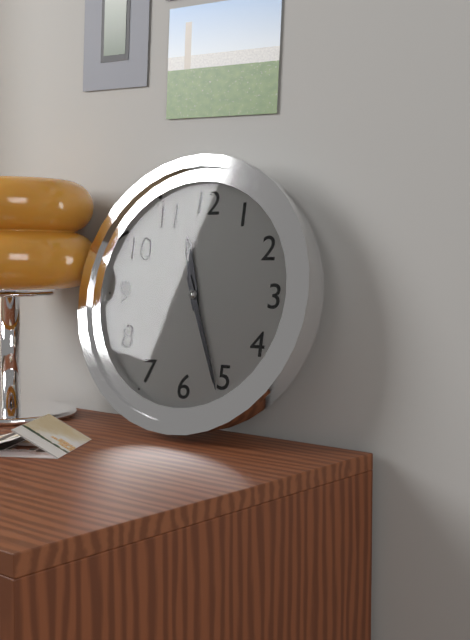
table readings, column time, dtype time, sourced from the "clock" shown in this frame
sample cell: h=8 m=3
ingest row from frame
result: h=11 m=26
